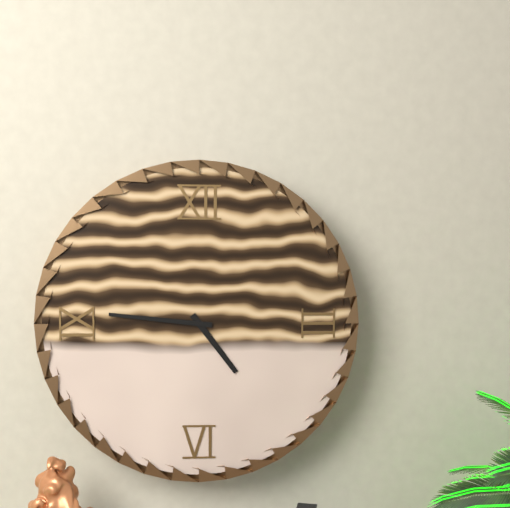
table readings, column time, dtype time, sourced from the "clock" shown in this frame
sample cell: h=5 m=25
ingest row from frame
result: h=4 m=46
